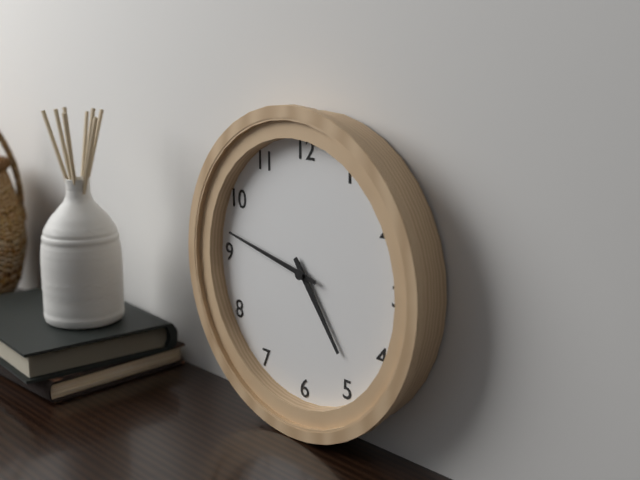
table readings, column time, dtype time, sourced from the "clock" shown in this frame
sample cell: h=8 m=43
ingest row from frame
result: h=4 m=47
